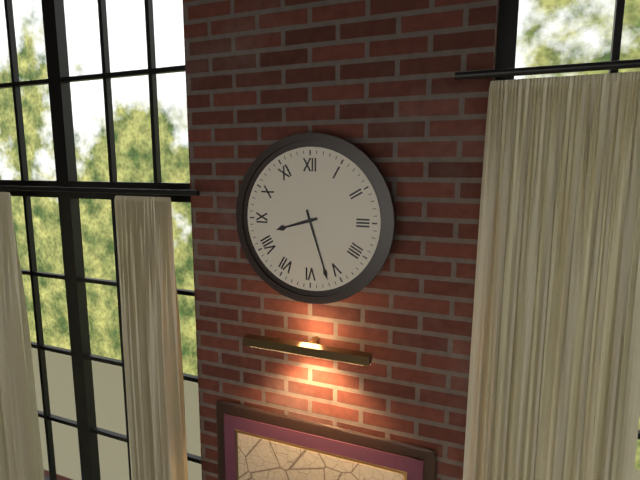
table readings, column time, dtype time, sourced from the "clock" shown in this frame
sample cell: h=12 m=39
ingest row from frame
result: h=8 m=27
